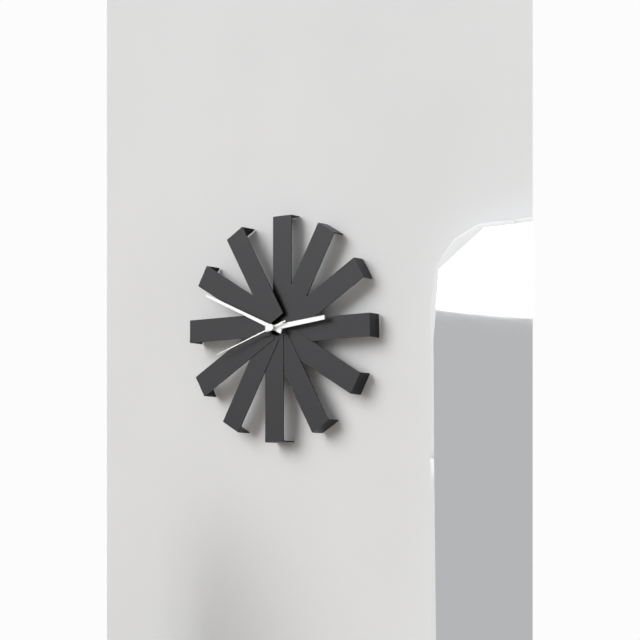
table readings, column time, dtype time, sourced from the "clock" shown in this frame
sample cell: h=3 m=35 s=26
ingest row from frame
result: h=2 m=49 s=42
